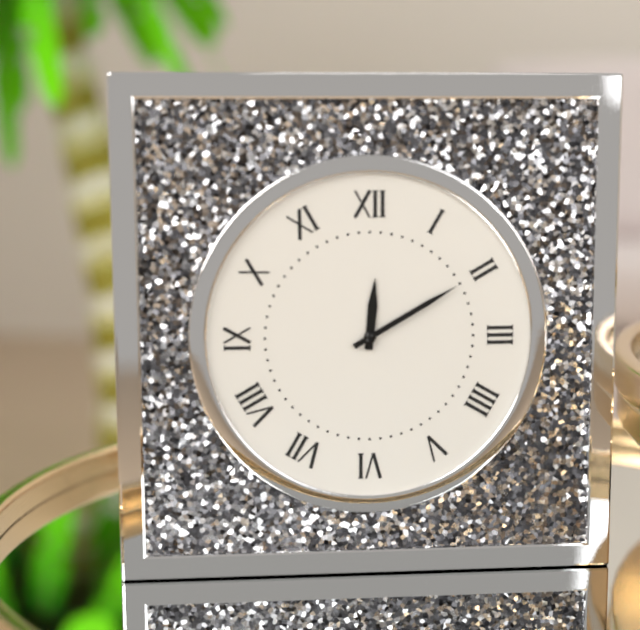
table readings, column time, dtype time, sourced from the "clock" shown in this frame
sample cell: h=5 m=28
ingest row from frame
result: h=12 m=10
